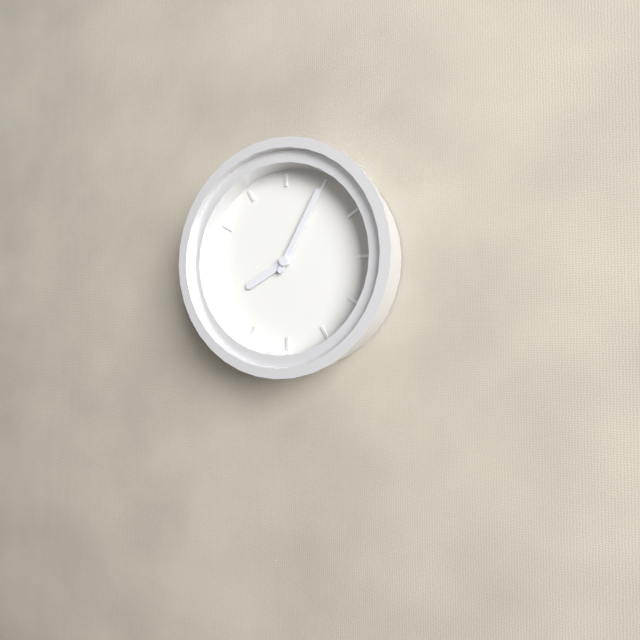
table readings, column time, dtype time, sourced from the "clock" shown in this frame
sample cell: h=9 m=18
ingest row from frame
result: h=8 m=5
